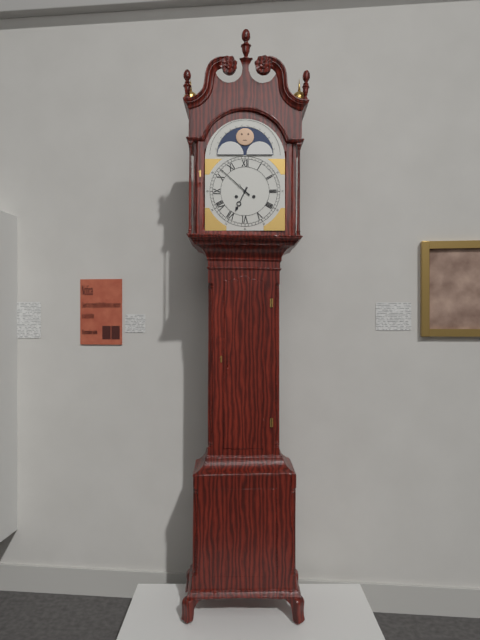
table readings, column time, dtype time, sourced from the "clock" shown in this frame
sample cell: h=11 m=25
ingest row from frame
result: h=6 m=52
